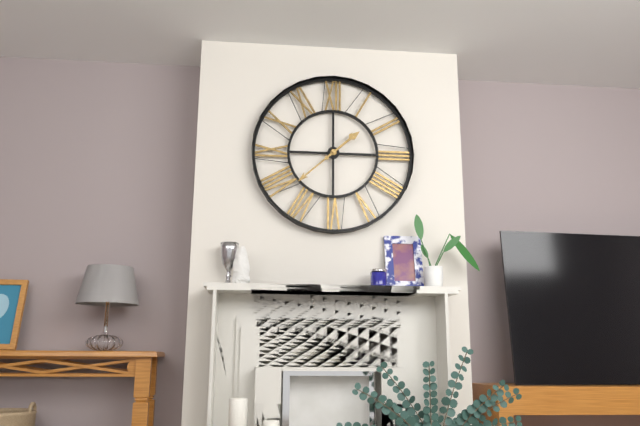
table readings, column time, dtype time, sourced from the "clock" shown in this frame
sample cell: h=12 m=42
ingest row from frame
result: h=1 m=38
